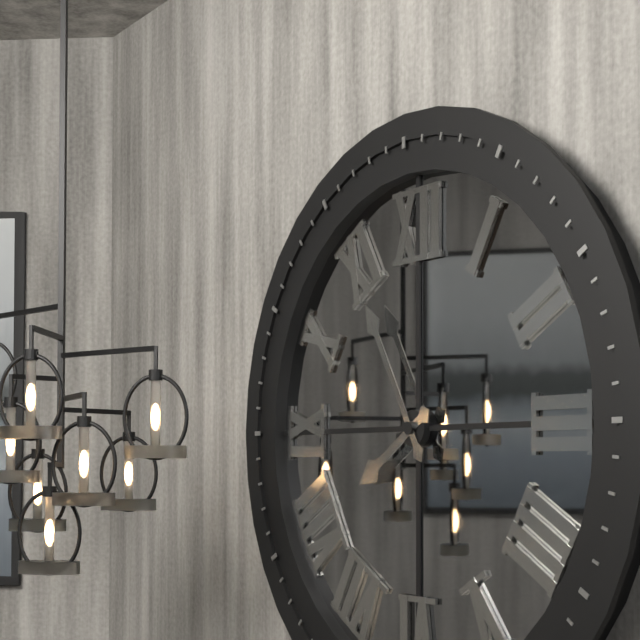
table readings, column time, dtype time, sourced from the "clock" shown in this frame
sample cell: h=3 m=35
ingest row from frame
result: h=7 m=55
